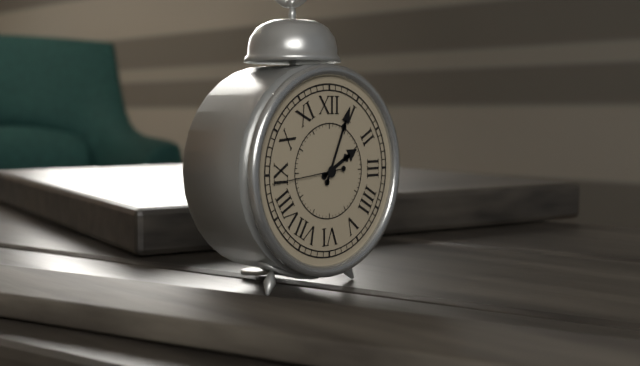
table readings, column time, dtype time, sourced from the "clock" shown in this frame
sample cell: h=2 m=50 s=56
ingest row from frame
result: h=2 m=4 s=44
